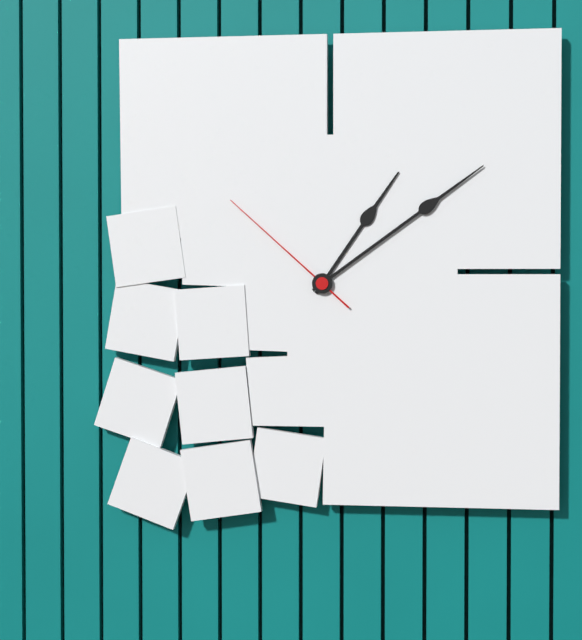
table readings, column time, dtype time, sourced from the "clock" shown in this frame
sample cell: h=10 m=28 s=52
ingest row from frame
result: h=1 m=9 s=52
